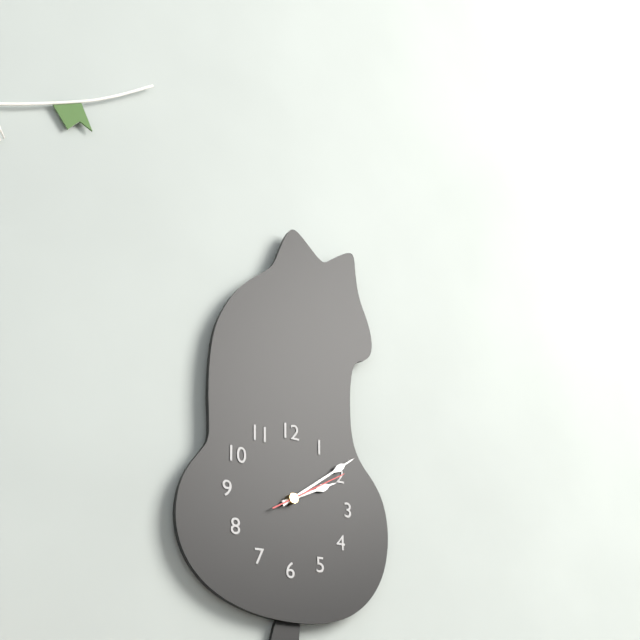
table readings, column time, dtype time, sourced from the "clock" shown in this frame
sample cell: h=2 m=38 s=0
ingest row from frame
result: h=2 m=9 s=10
